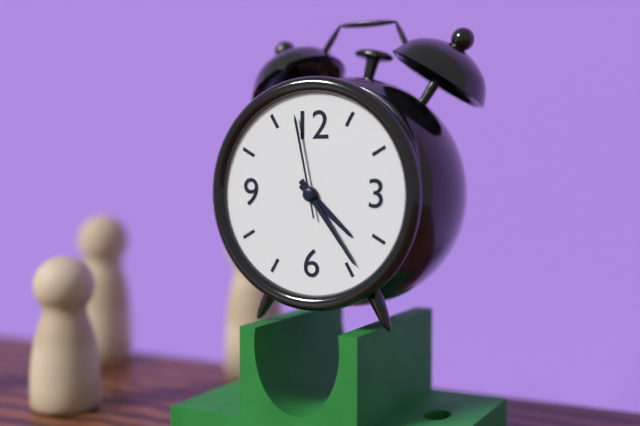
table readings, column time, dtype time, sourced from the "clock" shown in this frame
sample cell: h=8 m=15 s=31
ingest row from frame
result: h=4 m=24 s=58
